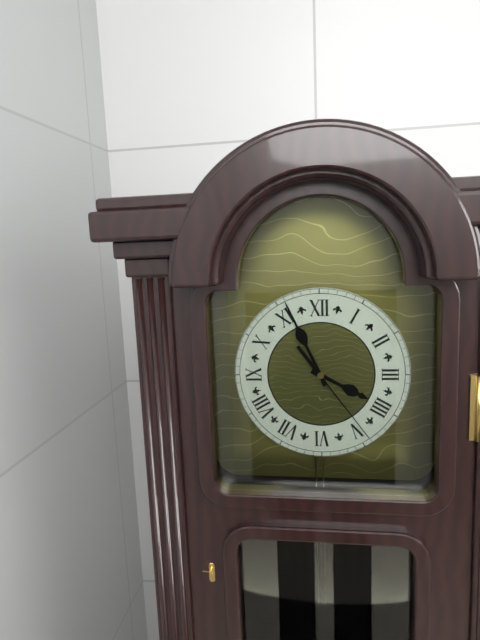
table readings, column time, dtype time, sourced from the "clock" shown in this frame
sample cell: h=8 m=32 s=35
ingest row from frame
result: h=3 m=56 s=24
